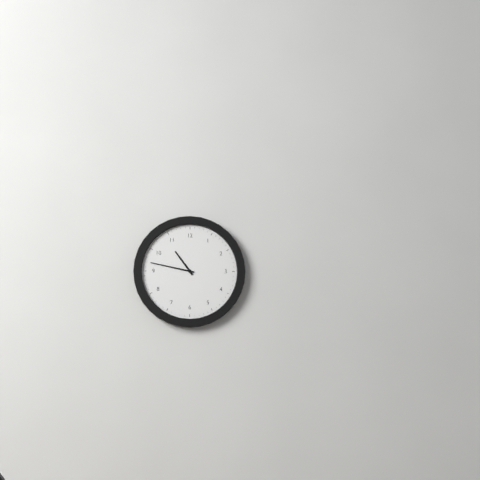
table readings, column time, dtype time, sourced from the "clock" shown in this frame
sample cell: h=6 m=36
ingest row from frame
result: h=10 m=47
